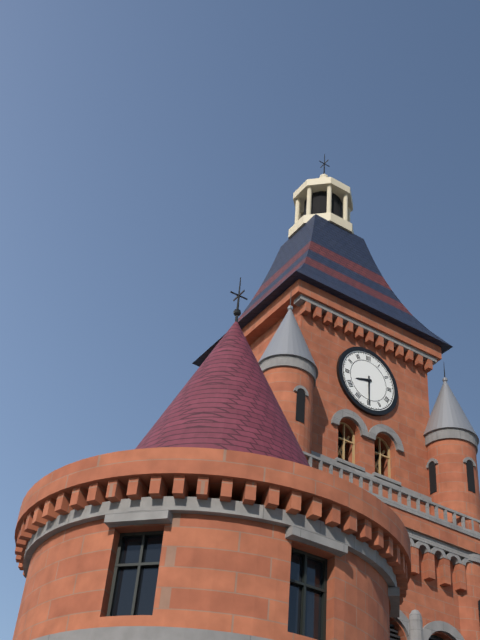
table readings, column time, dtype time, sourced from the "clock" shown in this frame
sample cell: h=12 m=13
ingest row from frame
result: h=8 m=30
